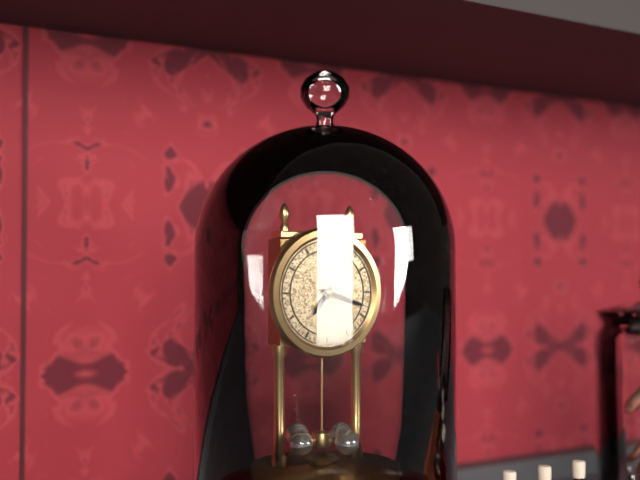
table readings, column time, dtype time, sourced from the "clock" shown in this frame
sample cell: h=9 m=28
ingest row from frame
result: h=7 m=18
